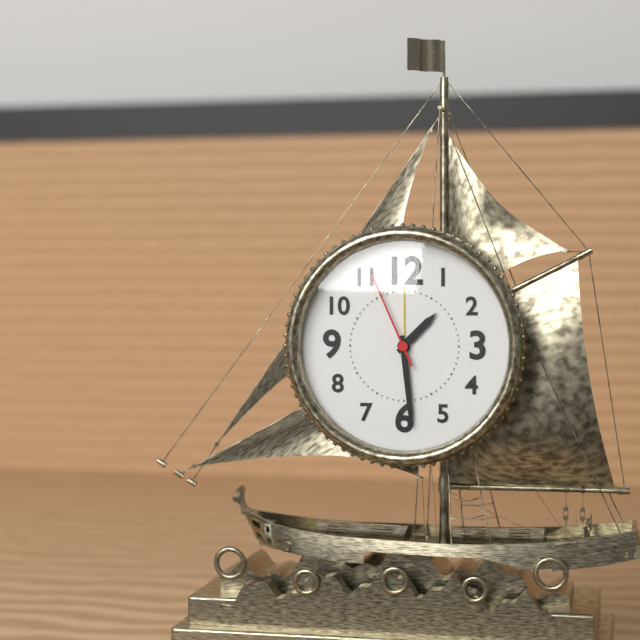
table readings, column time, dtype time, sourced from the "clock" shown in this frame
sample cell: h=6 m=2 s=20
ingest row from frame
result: h=1 m=29 s=56
